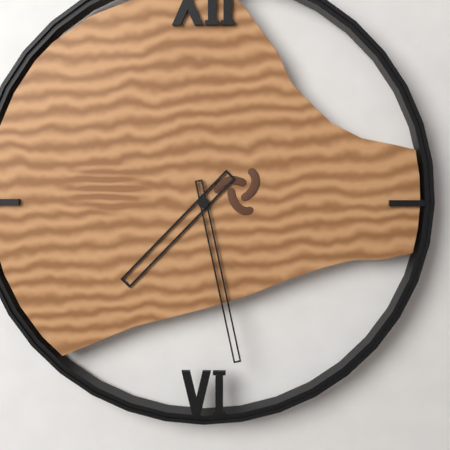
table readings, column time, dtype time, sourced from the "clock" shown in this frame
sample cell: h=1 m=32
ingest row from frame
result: h=7 m=28
